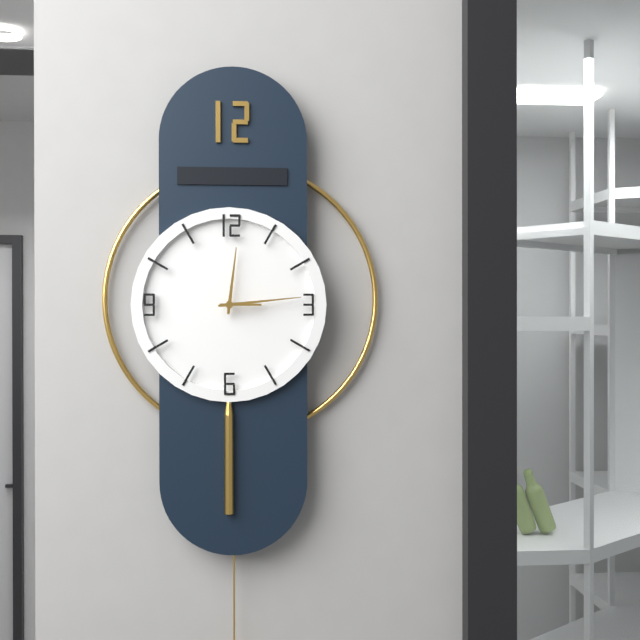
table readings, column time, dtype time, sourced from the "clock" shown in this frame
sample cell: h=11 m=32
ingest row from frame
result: h=12 m=14
